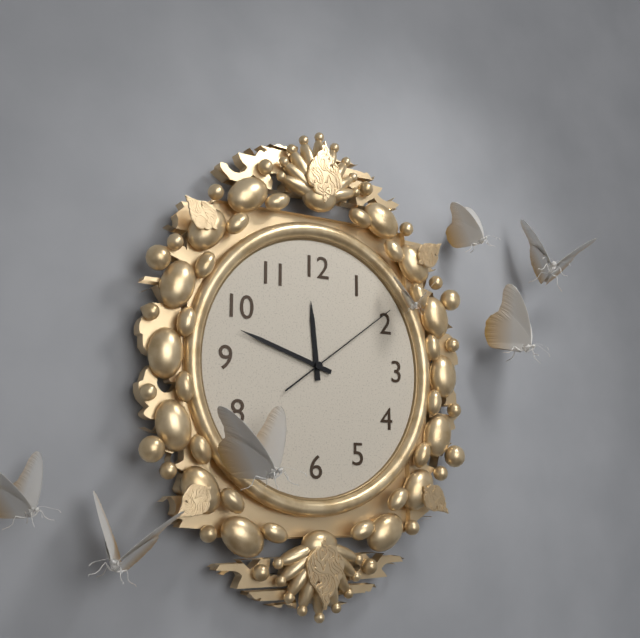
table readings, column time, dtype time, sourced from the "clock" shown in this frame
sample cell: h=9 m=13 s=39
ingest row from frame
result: h=11 m=48 s=9
